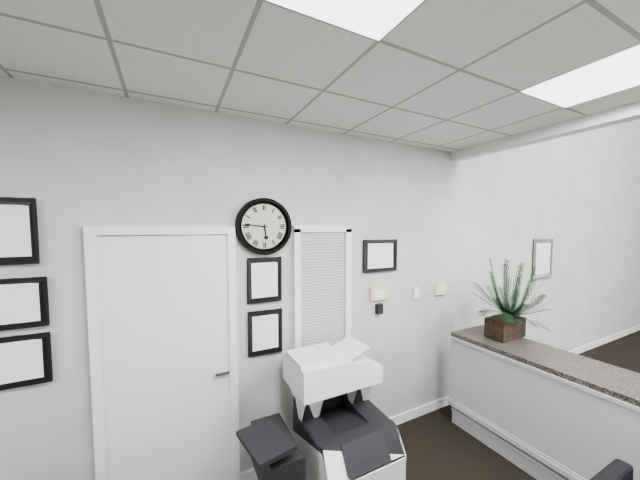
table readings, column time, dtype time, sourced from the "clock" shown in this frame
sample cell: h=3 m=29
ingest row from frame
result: h=5 m=46
